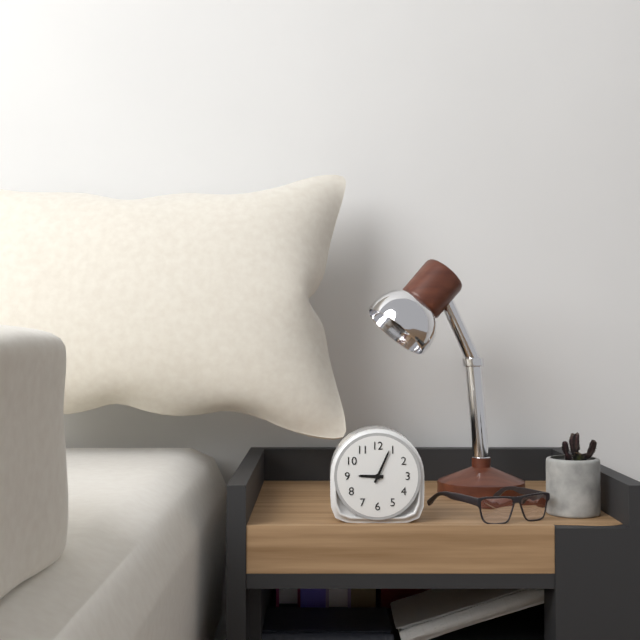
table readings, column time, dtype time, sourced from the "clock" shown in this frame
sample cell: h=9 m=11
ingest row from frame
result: h=9 m=4
